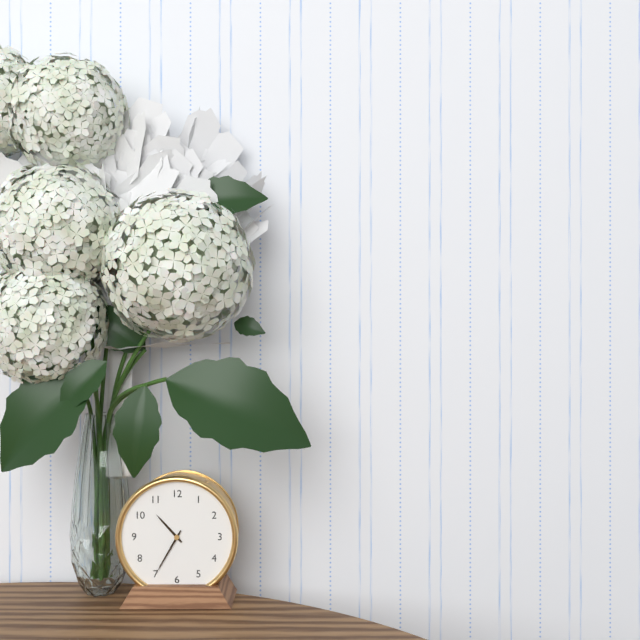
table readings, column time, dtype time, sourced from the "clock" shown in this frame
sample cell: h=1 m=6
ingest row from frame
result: h=10 m=35
